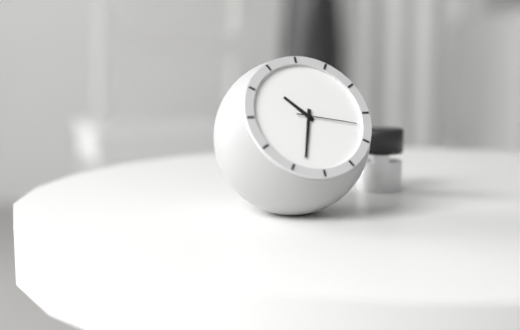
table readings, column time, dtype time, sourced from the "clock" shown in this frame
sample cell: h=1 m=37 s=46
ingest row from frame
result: h=10 m=33 s=17
